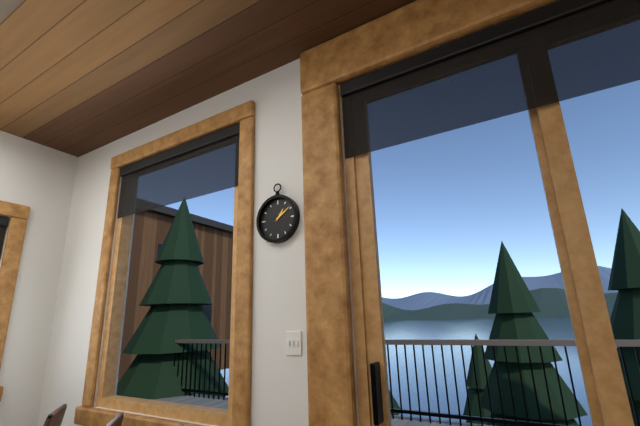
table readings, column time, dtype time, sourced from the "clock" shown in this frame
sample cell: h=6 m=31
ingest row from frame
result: h=1 m=9
